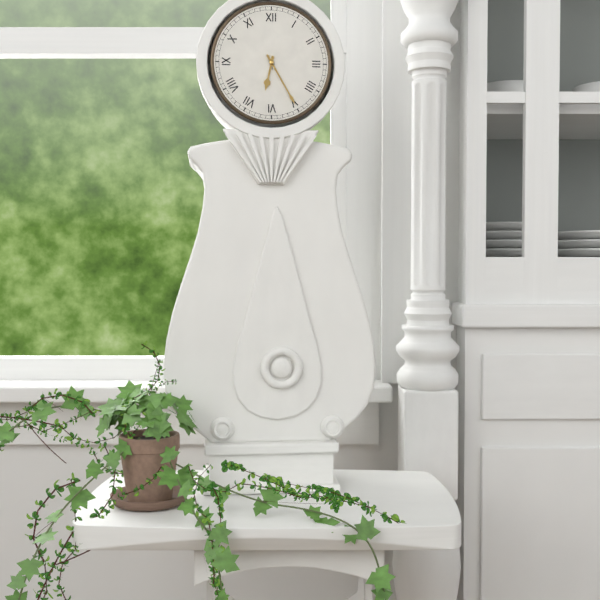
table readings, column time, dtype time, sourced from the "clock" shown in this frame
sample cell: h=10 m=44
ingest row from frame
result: h=6 m=25
